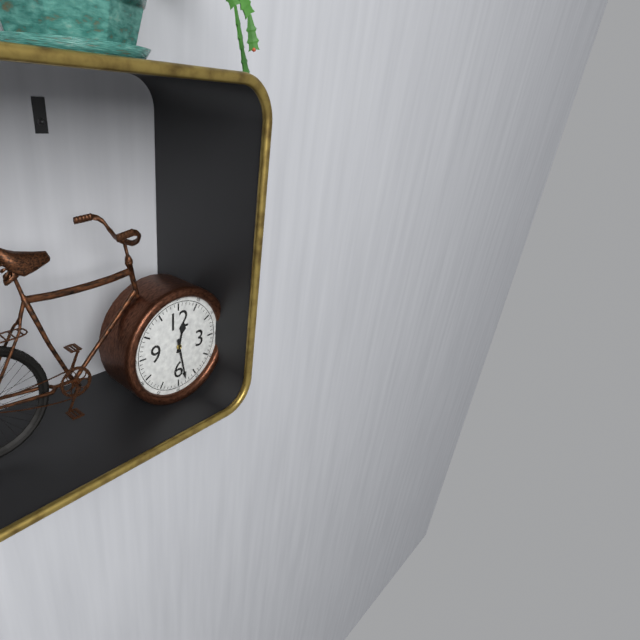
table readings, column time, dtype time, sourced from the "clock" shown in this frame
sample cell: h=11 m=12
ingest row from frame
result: h=12 m=28
